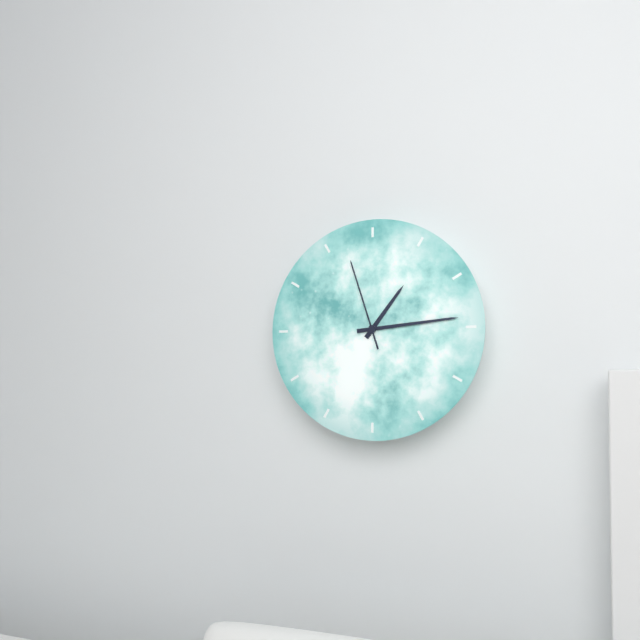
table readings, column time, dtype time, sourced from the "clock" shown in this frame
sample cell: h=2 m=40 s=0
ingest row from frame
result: h=1 m=14 s=57
